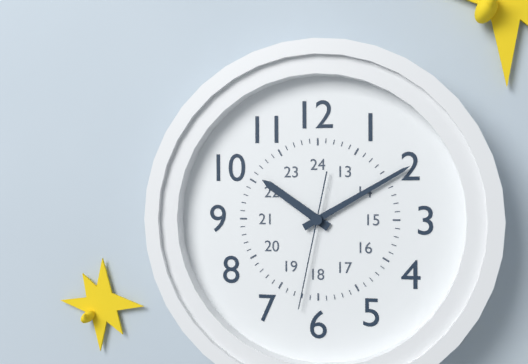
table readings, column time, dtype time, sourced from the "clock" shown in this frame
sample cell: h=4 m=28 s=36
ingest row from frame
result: h=10 m=10 s=32
